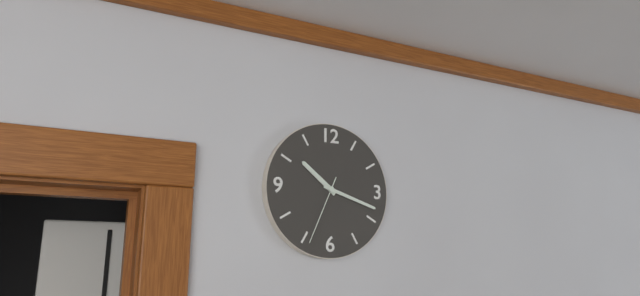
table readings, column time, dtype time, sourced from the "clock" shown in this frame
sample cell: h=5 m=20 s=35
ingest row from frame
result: h=10 m=18 s=34
